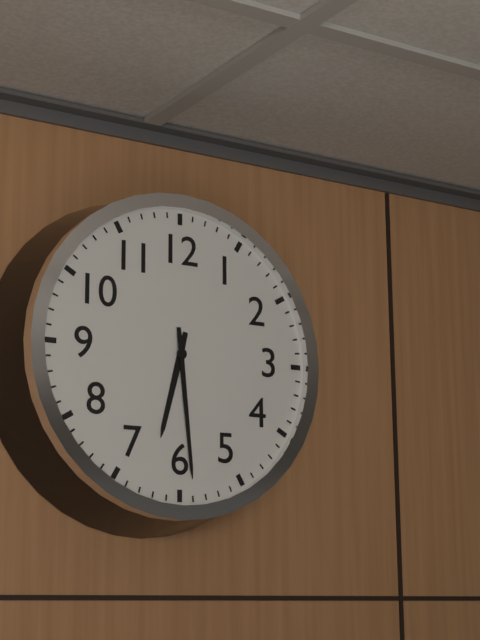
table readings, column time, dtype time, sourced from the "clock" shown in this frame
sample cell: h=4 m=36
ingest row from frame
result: h=6 m=29
